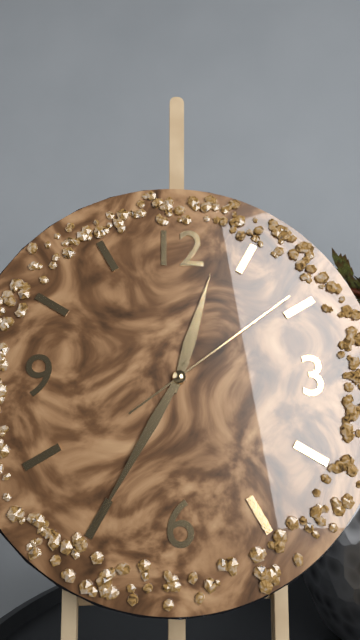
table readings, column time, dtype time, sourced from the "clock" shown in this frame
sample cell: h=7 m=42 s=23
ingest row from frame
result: h=12 m=35 s=9
